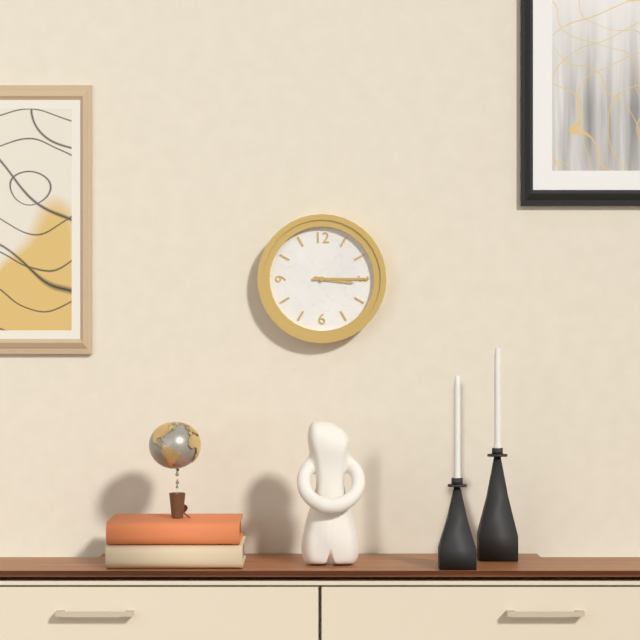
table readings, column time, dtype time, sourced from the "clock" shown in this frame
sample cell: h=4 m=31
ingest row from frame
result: h=3 m=15
